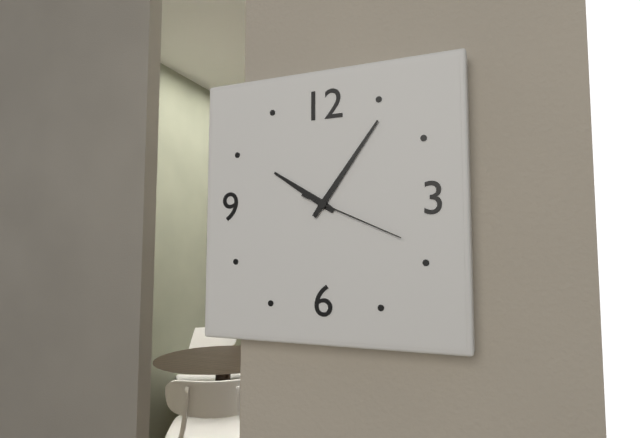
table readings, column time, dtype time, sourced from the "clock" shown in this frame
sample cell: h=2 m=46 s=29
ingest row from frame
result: h=10 m=6 s=19
